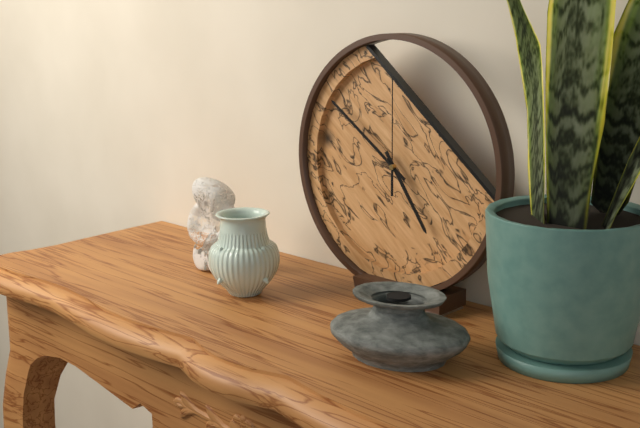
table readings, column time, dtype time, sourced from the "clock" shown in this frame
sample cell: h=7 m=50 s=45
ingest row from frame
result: h=4 m=51 s=0
